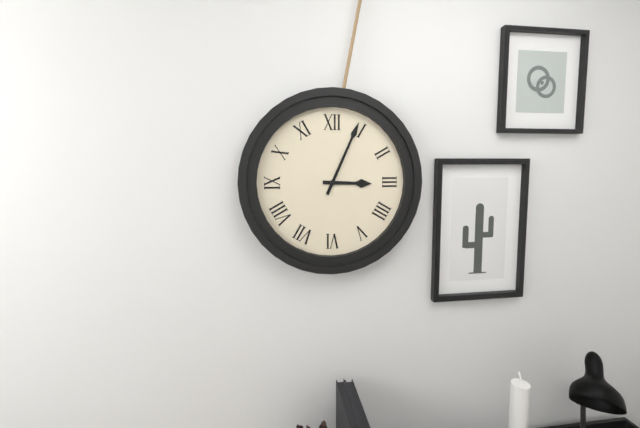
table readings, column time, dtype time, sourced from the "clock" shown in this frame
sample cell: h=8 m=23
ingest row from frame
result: h=3 m=4
